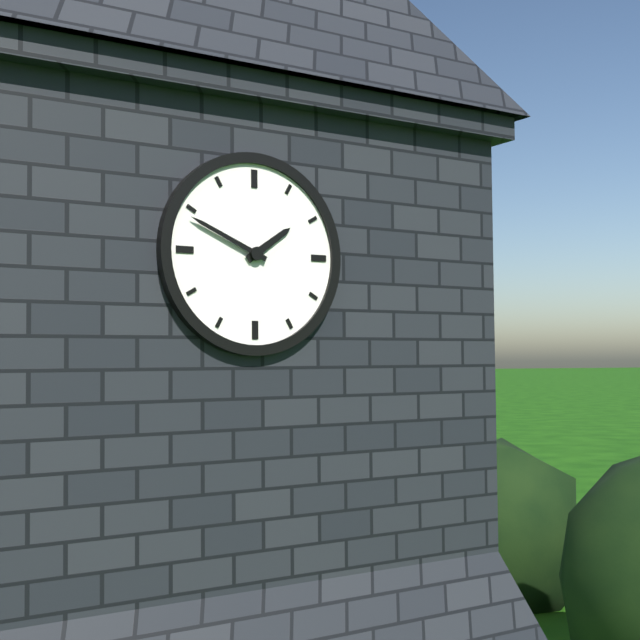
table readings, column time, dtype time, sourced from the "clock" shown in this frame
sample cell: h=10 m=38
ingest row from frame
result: h=1 m=49
